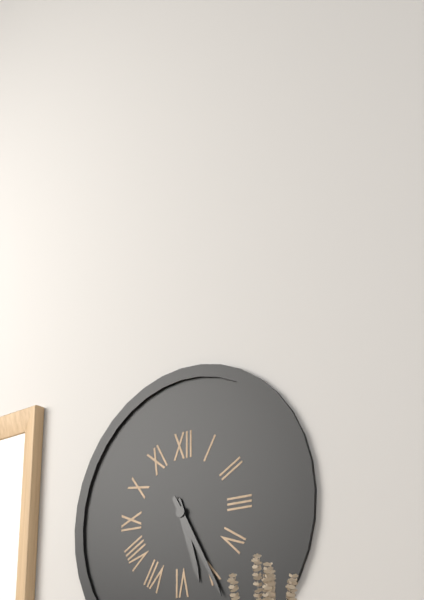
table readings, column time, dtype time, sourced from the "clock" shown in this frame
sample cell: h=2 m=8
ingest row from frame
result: h=5 m=25
